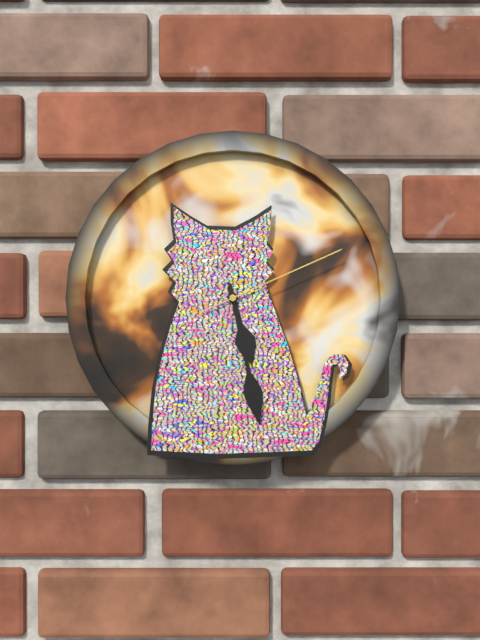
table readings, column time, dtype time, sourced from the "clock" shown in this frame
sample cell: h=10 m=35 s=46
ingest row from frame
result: h=5 m=28 s=11
